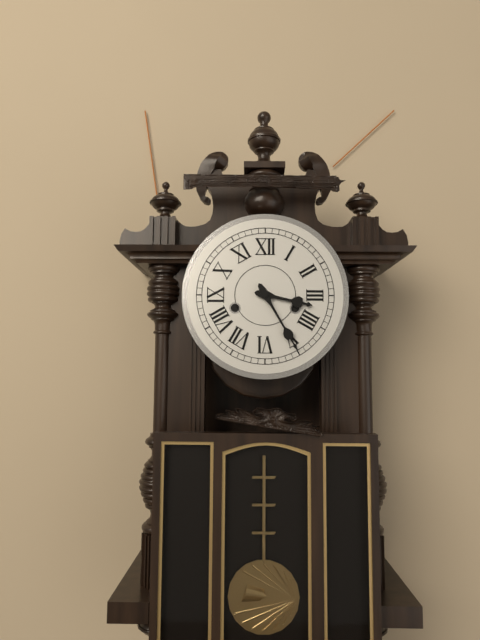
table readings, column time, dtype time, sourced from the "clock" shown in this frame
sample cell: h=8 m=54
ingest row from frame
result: h=3 m=25
